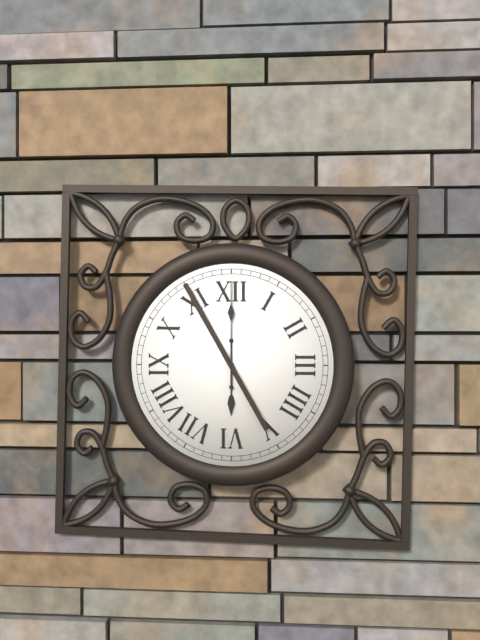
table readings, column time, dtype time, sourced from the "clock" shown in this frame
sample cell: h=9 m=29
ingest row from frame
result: h=6 m=0
